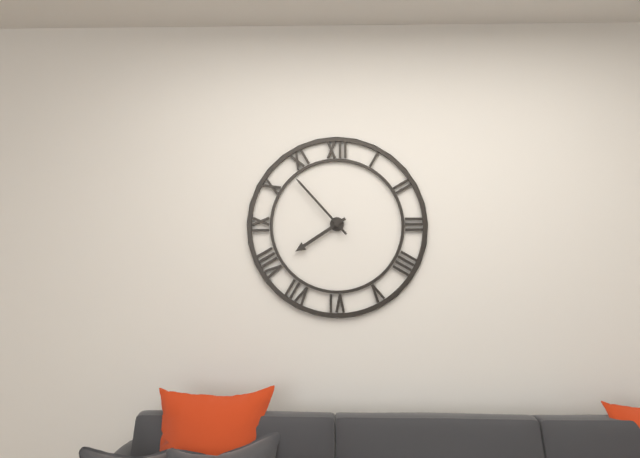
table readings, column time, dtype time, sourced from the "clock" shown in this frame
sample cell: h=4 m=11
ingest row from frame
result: h=7 m=53
